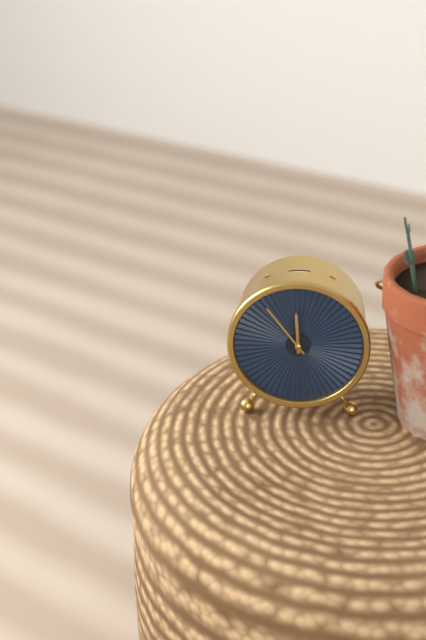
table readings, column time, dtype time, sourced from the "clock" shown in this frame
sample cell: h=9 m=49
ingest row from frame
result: h=11 m=54
